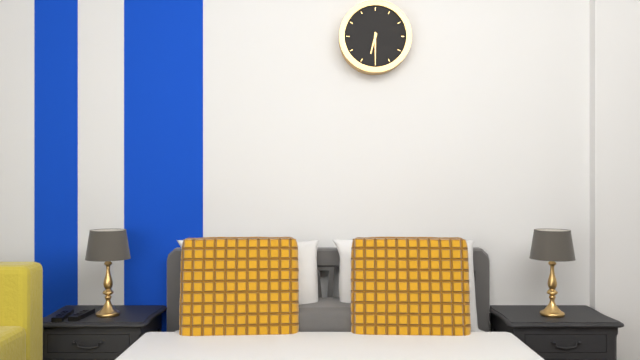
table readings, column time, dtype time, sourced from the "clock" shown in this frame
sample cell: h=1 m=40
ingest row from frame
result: h=6 m=30
